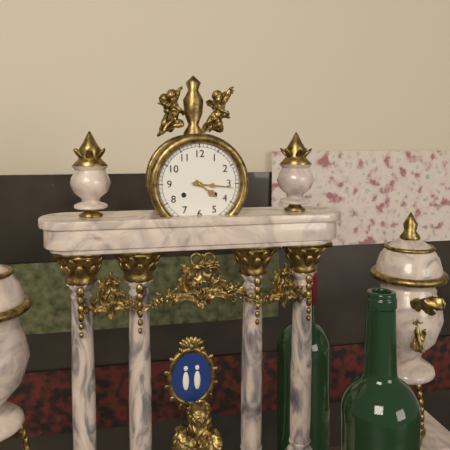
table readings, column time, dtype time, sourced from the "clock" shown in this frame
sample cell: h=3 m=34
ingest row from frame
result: h=4 m=16
